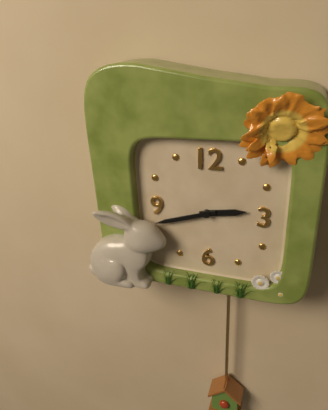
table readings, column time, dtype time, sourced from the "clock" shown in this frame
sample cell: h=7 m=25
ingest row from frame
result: h=2 m=42
